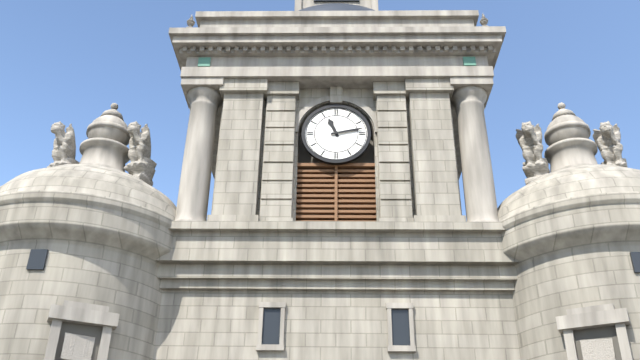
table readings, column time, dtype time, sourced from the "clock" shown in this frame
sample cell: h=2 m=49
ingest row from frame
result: h=11 m=13
